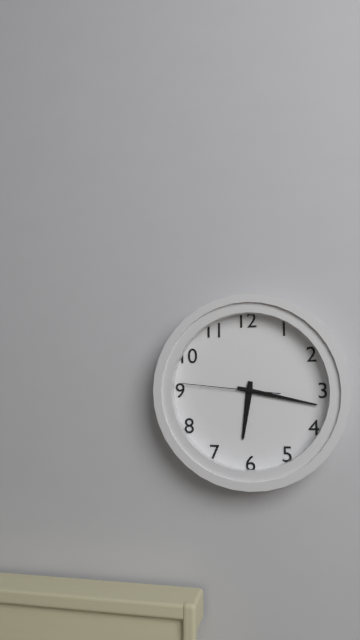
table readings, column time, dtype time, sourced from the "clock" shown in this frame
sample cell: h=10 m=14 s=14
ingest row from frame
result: h=6 m=17 s=46
